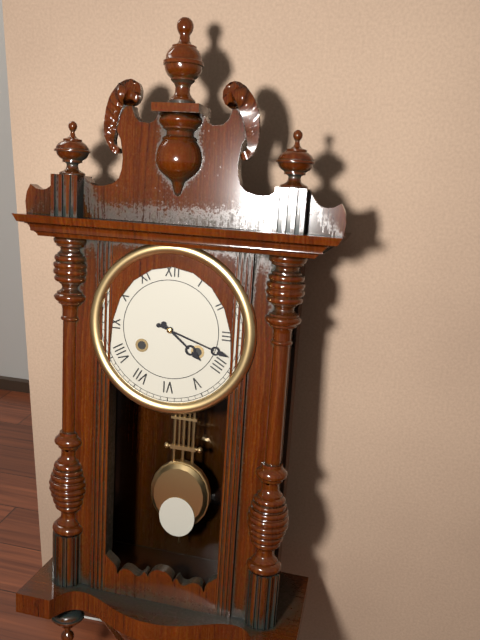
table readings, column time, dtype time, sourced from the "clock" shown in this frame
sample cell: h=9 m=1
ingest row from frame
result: h=4 m=18
